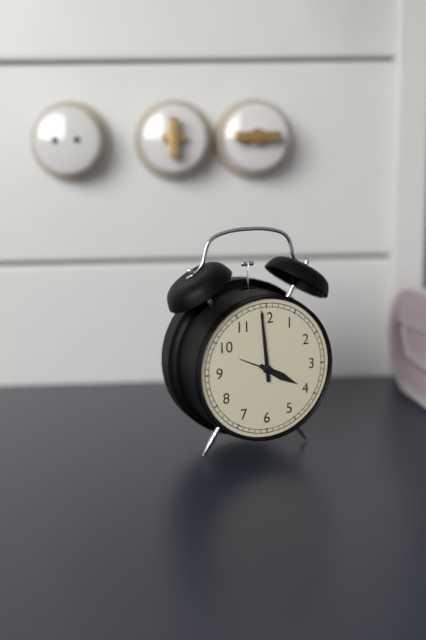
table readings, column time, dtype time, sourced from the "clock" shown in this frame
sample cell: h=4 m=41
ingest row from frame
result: h=3 m=59
